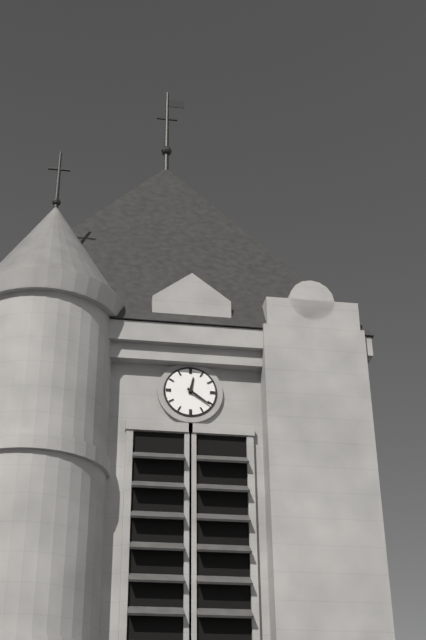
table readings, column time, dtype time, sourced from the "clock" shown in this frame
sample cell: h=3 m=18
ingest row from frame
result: h=12 m=21
